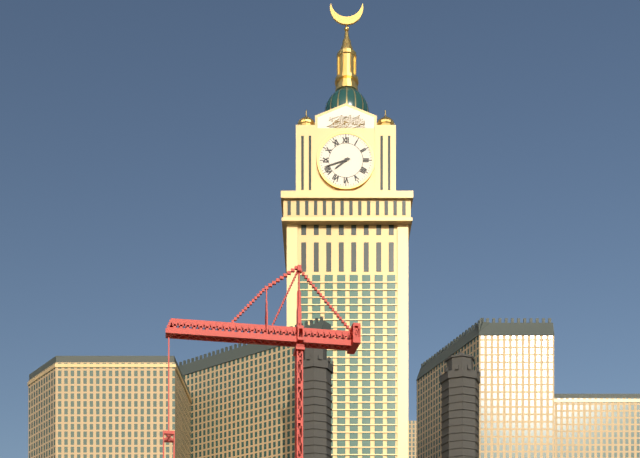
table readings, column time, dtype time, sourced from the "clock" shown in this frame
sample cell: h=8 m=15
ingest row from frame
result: h=7 m=42
